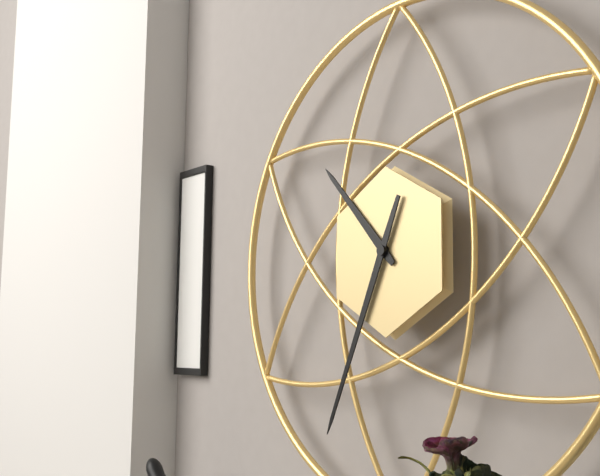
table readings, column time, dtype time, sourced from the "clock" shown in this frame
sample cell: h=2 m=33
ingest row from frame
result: h=10 m=34
